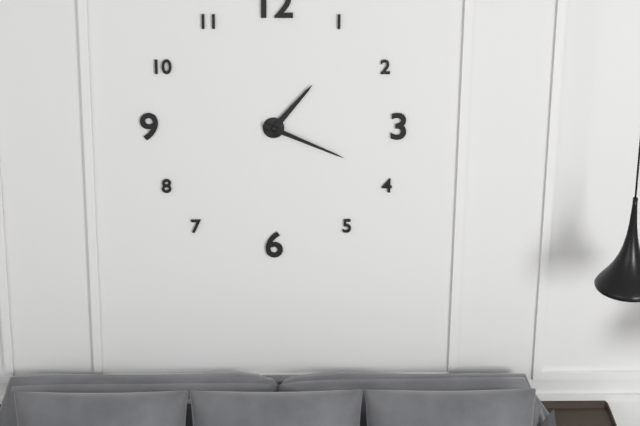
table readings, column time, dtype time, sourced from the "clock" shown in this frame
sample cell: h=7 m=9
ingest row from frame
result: h=1 m=19
